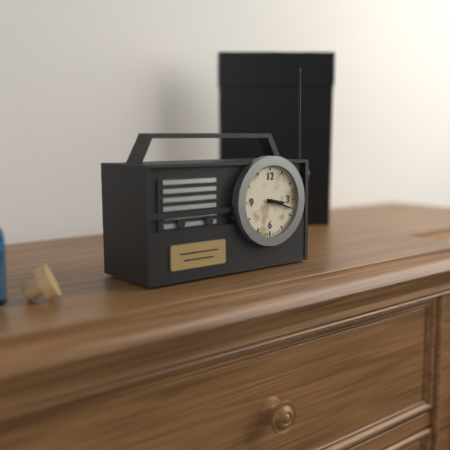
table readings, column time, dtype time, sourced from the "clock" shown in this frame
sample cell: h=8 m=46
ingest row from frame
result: h=3 m=18
